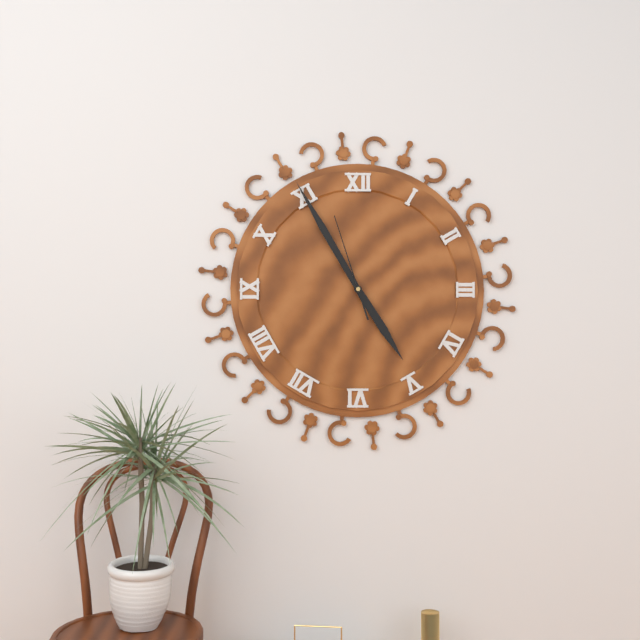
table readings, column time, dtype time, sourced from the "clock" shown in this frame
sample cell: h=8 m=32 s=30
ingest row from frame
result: h=4 m=55 s=57
